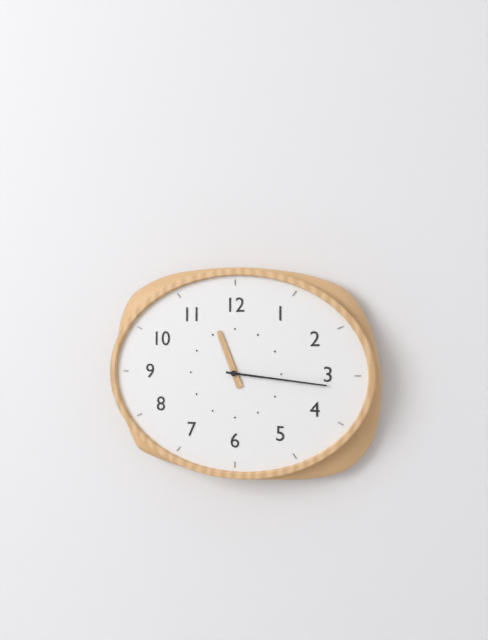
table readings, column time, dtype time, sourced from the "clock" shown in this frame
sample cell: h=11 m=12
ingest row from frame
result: h=11 m=16
